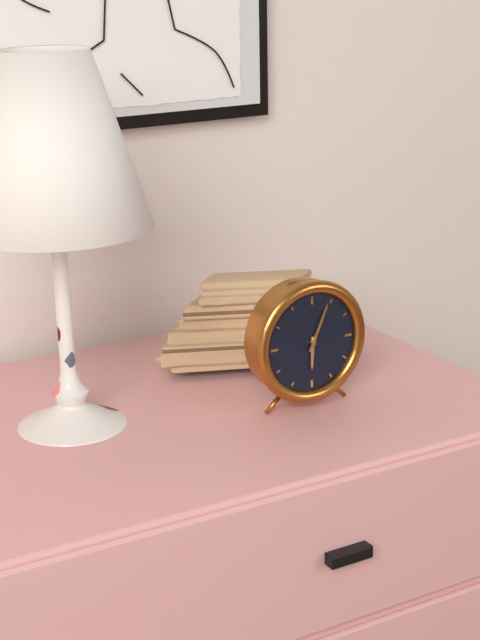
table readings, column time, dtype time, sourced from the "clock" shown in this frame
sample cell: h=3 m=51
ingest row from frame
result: h=6 m=4
